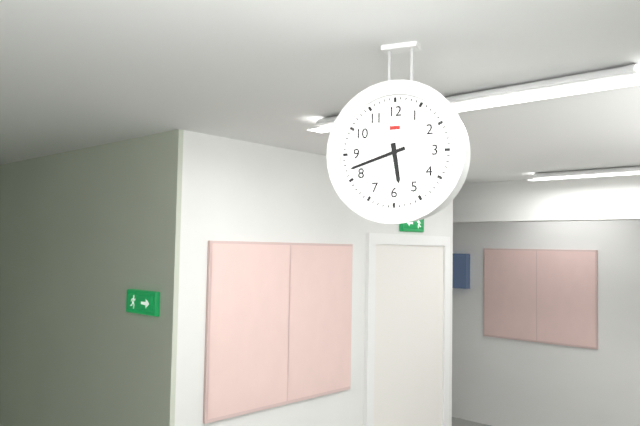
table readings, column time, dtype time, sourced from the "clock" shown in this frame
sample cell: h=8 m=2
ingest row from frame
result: h=5 m=42
